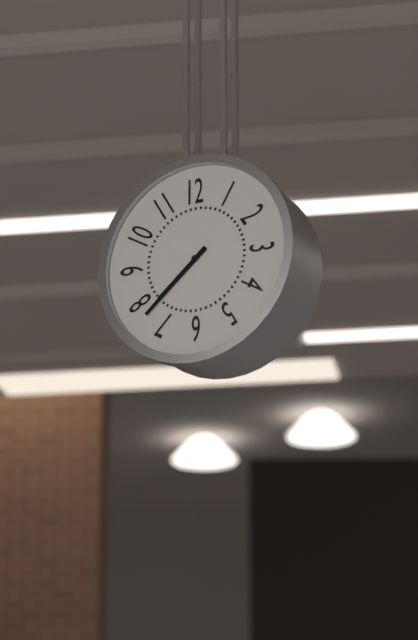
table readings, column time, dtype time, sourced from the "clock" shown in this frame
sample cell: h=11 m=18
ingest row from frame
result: h=7 m=38
